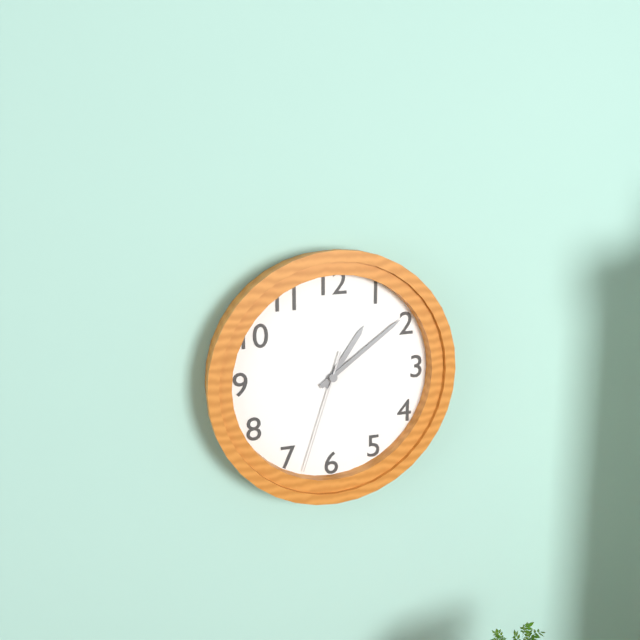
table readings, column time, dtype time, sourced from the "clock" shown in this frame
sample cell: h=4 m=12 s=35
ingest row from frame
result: h=1 m=9 s=33
